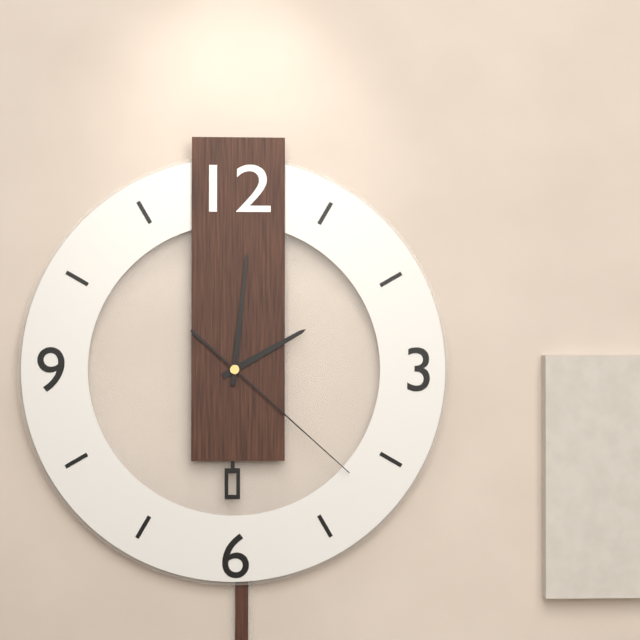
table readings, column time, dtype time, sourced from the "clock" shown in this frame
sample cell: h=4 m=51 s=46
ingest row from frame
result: h=2 m=1 s=22
